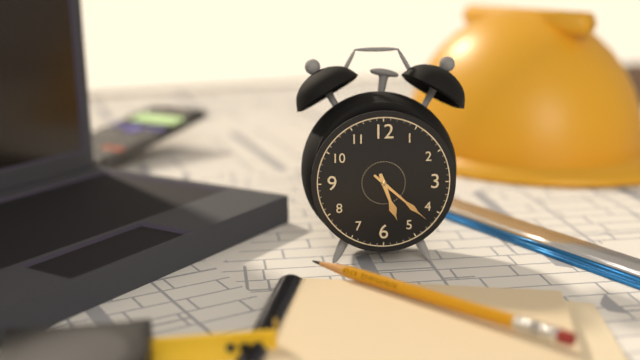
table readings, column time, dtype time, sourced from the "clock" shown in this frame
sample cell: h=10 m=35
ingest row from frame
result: h=5 m=22
